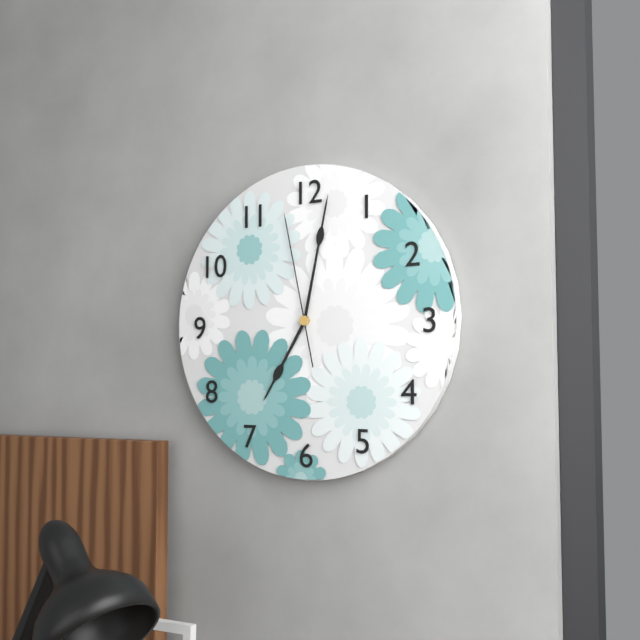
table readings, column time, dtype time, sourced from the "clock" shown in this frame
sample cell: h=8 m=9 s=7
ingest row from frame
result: h=7 m=2 s=58
